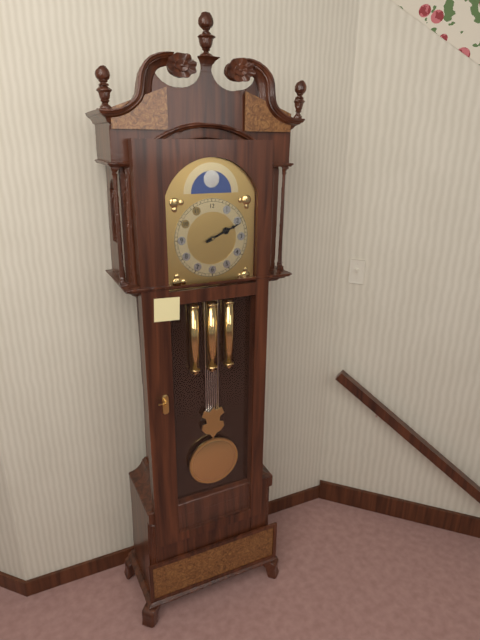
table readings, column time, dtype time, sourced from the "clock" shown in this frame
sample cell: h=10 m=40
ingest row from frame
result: h=2 m=11
